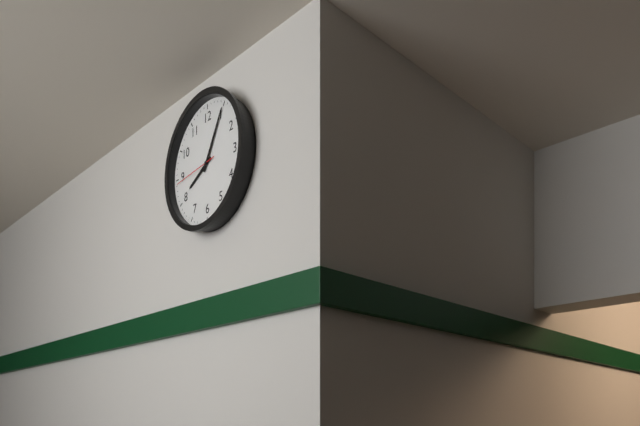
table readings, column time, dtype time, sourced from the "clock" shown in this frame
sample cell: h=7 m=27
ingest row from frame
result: h=8 m=5
